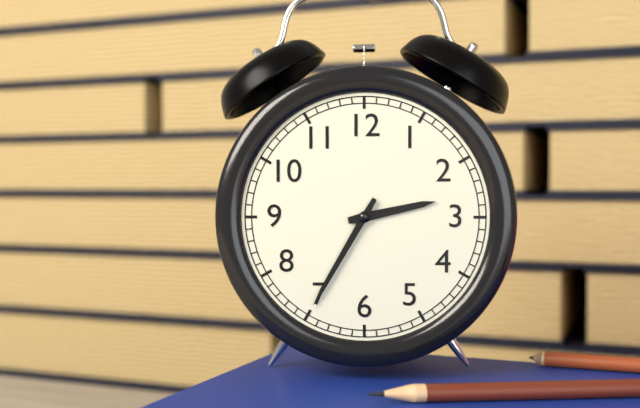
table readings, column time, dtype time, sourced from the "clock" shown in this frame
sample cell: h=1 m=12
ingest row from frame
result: h=2 m=35
